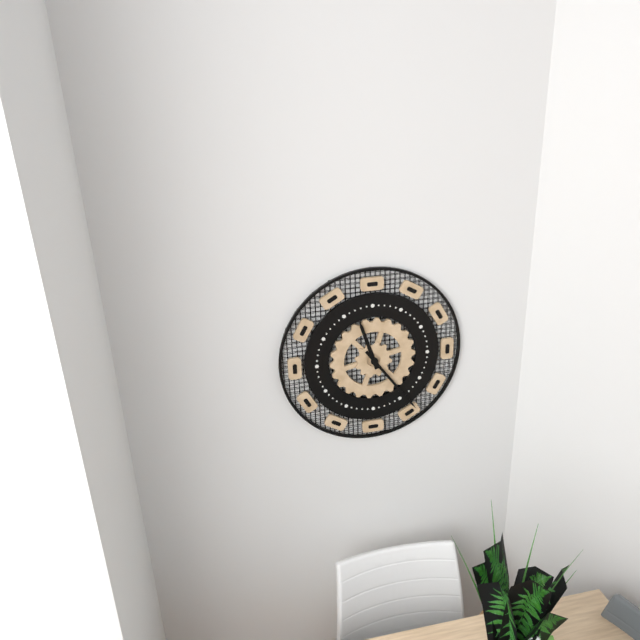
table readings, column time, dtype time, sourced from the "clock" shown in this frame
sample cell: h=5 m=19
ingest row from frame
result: h=11 m=24
